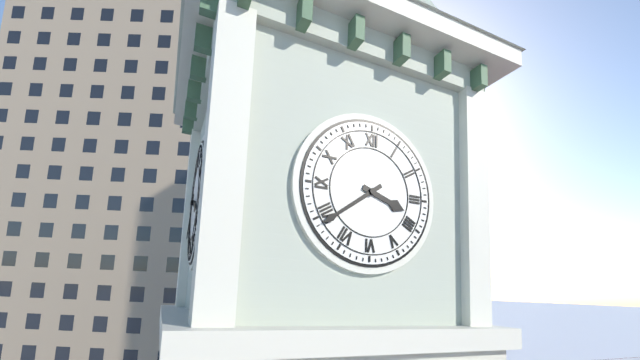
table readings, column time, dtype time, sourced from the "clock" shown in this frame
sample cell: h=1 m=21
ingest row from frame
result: h=3 m=39
